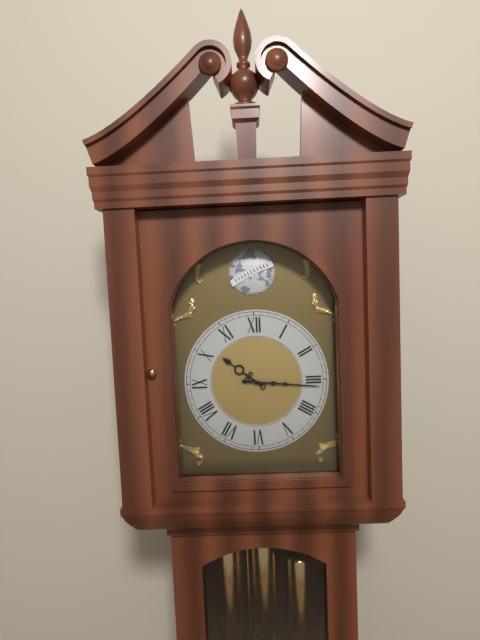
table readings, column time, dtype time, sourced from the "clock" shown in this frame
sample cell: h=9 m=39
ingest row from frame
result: h=10 m=16
